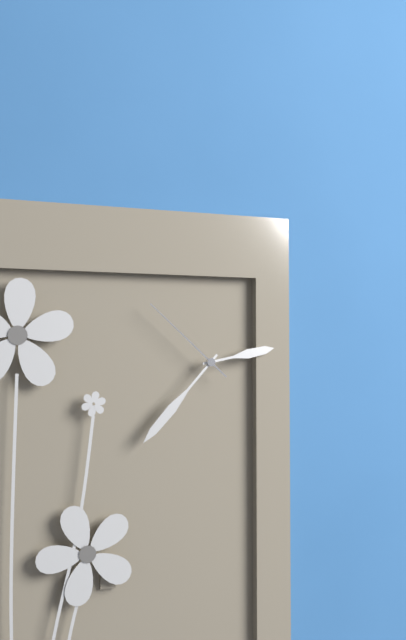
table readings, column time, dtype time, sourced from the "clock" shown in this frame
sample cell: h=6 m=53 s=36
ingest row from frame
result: h=2 m=37 s=52
